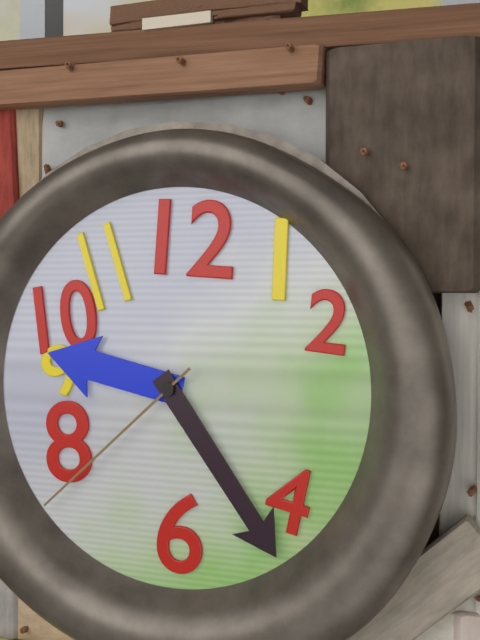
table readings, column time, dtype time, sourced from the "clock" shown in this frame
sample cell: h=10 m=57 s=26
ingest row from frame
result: h=9 m=24 s=38
